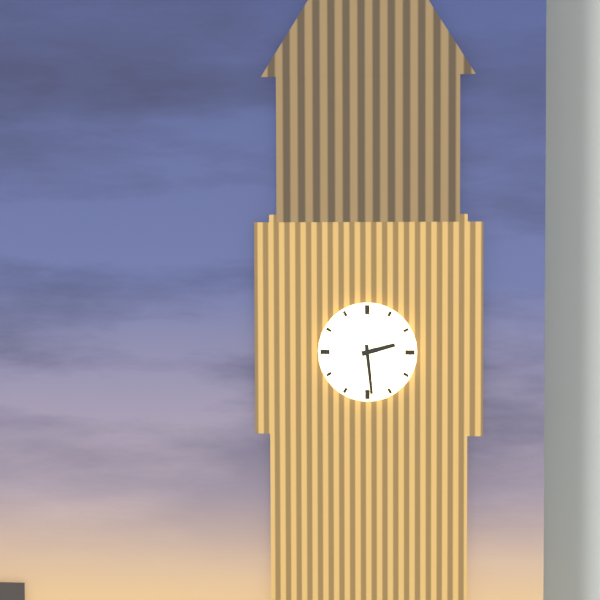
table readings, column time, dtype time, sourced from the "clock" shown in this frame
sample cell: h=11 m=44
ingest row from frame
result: h=2 m=29
